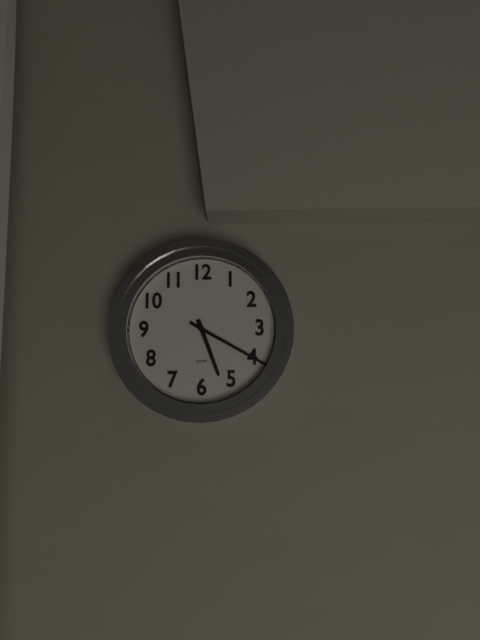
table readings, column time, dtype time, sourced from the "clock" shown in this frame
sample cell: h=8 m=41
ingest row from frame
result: h=5 m=20
